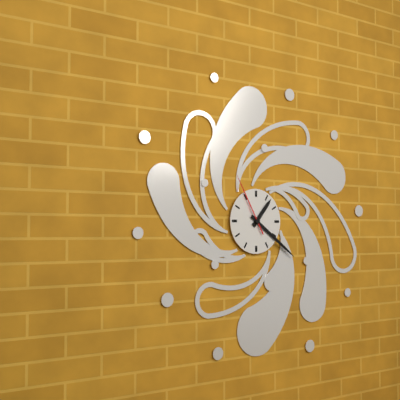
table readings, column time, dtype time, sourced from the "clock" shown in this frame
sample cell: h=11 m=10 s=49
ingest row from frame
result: h=1 m=21 s=55
